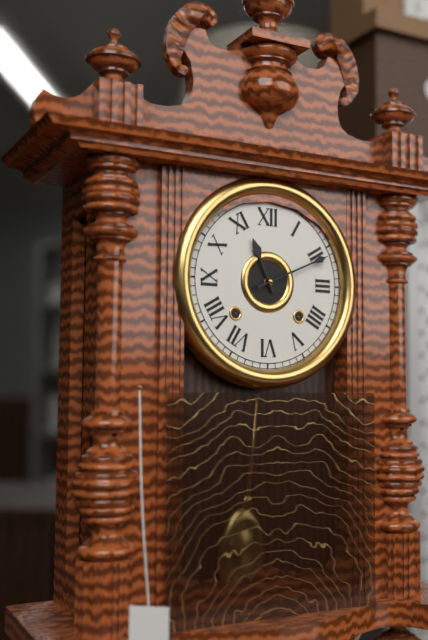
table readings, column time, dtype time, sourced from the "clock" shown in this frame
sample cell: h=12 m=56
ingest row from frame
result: h=11 m=11
